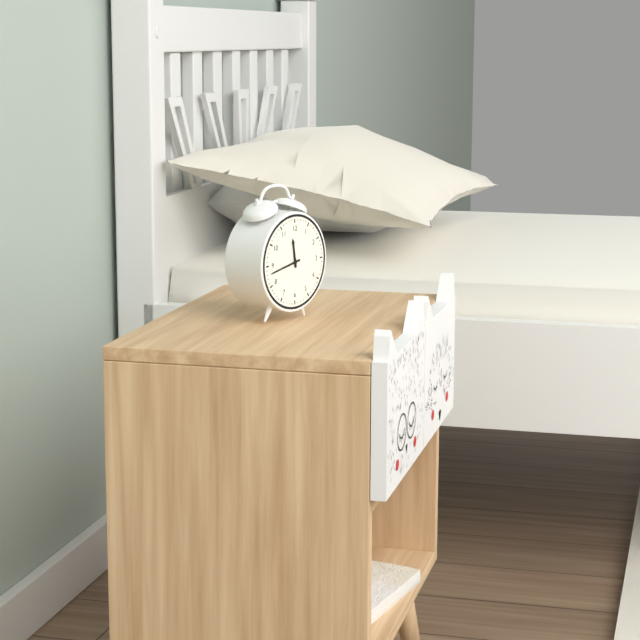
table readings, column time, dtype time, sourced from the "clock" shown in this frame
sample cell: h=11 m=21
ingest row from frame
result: h=11 m=43
